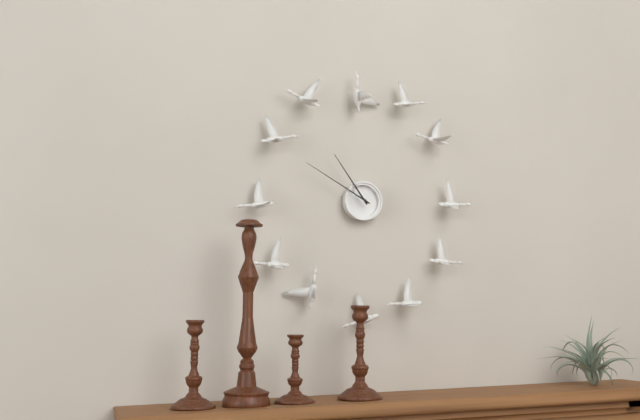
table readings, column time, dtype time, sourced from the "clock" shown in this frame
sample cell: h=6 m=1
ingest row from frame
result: h=10 m=50
